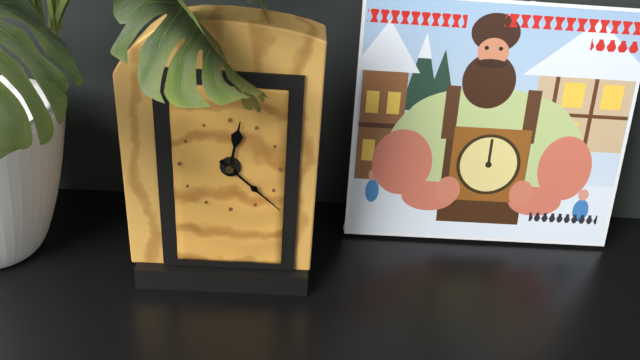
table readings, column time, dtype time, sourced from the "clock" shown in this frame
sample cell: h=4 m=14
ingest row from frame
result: h=12 m=22
